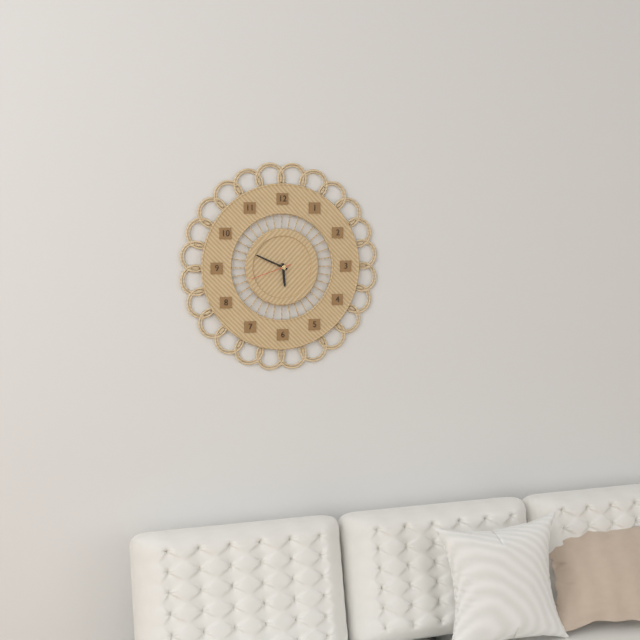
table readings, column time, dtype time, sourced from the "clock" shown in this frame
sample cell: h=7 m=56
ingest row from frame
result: h=5 m=49
